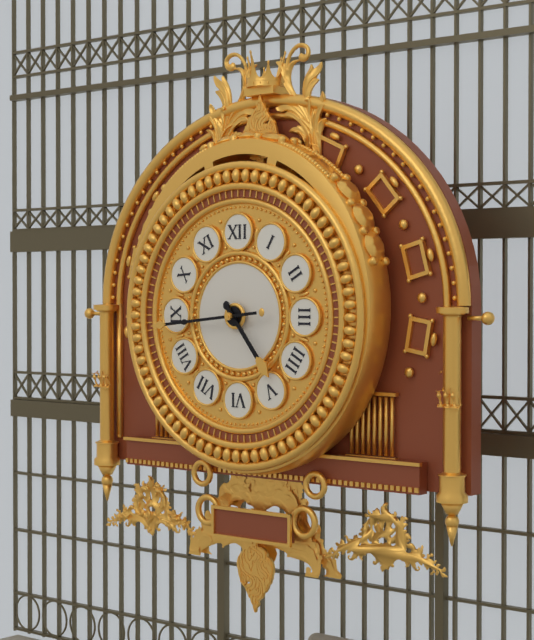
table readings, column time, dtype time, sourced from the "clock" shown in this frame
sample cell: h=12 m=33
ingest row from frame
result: h=4 m=44
